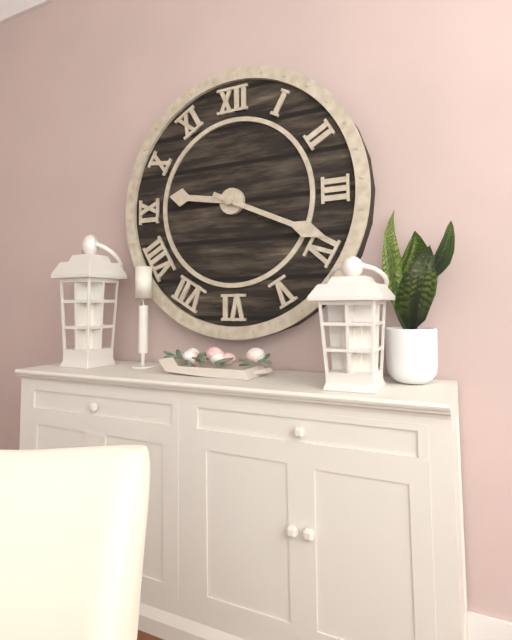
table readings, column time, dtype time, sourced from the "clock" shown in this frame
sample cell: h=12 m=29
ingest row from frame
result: h=9 m=19
